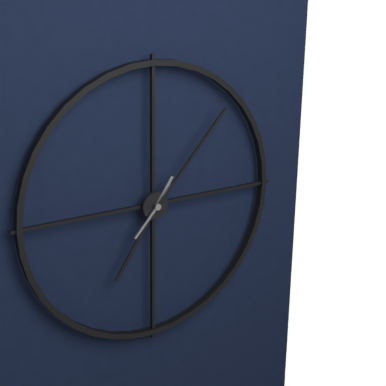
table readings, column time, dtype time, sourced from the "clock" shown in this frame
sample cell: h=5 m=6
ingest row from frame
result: h=7 m=7
